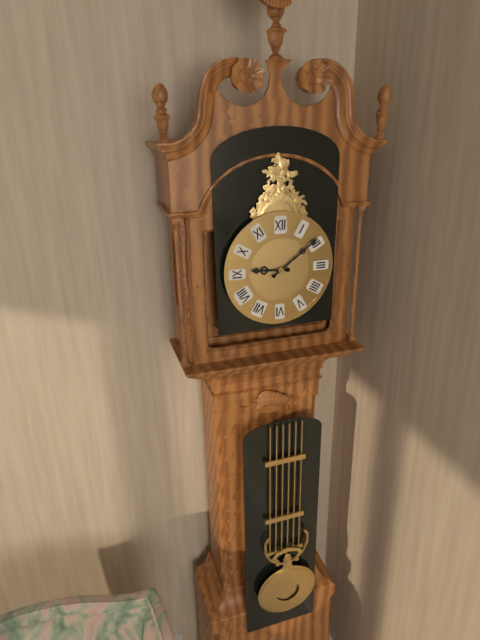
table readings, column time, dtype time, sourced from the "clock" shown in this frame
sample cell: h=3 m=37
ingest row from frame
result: h=9 m=9
